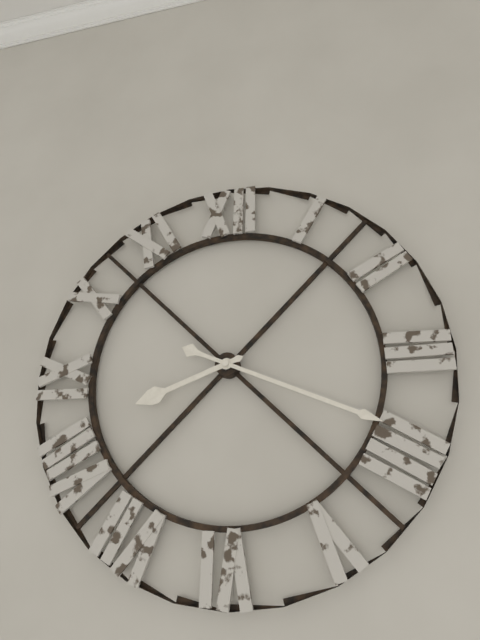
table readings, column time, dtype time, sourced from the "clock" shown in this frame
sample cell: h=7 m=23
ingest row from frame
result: h=8 m=19
